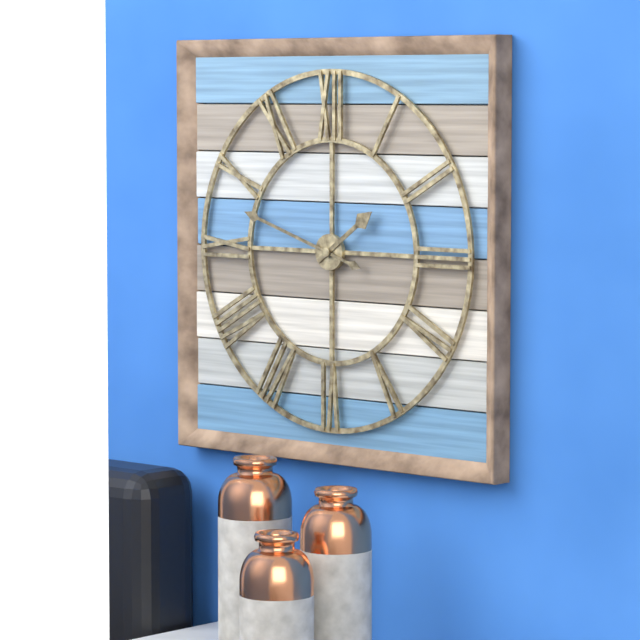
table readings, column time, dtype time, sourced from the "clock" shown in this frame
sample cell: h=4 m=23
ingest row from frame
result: h=1 m=48
